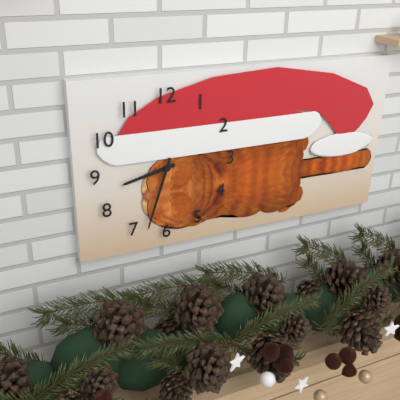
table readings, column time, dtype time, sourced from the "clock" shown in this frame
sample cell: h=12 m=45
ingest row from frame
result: h=8 m=33
